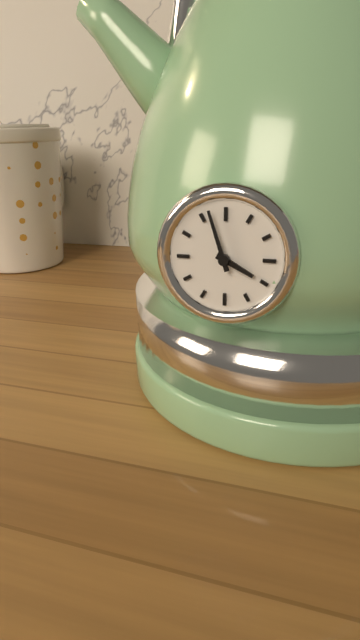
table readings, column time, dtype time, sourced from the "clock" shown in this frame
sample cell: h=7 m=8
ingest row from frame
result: h=3 m=57
